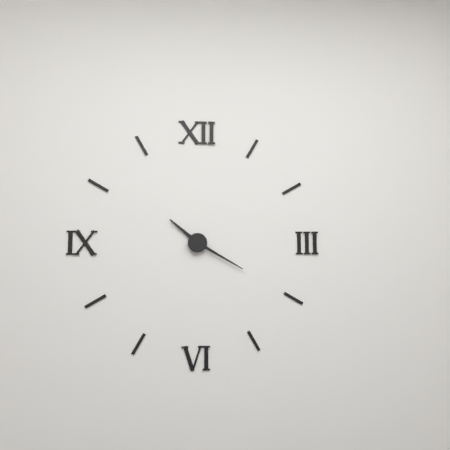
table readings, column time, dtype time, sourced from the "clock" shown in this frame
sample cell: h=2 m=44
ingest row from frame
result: h=10 m=20
